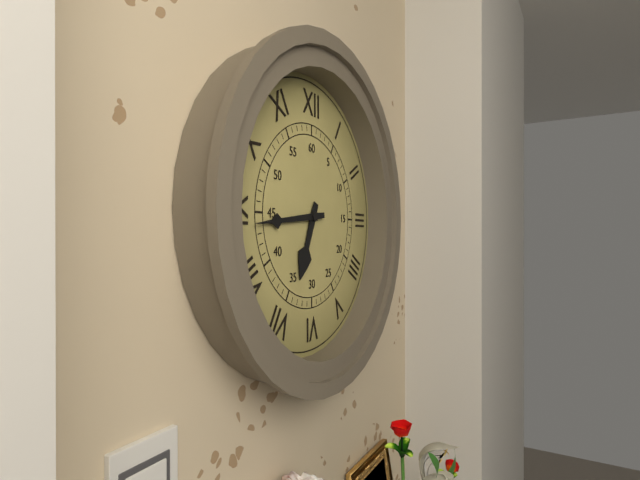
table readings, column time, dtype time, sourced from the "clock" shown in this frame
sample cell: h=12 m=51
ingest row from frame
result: h=6 m=44
